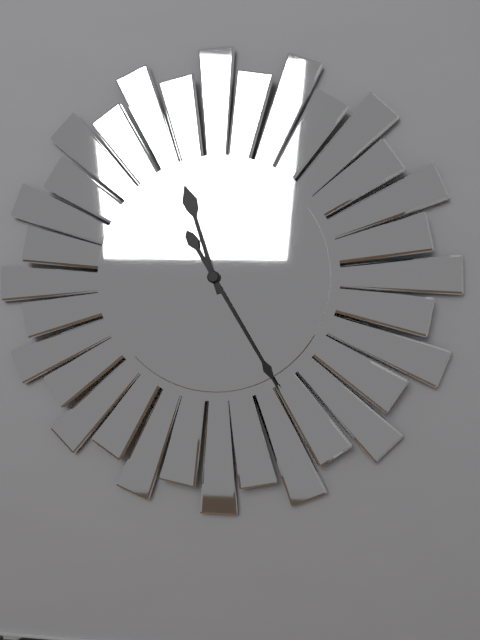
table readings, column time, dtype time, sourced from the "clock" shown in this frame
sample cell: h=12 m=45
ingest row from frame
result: h=11 m=25
